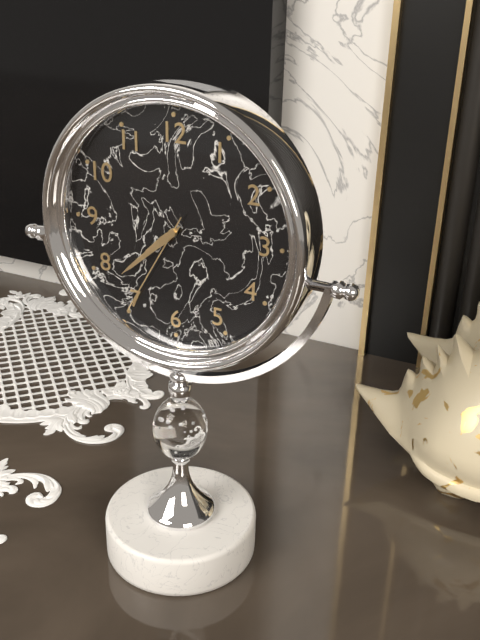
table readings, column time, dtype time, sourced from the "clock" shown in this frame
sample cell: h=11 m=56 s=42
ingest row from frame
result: h=7 m=38 s=35
